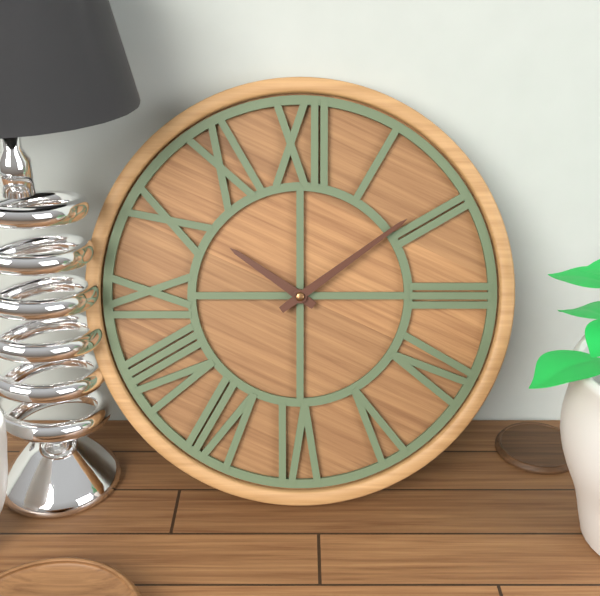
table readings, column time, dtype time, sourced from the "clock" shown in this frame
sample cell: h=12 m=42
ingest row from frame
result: h=10 m=9
